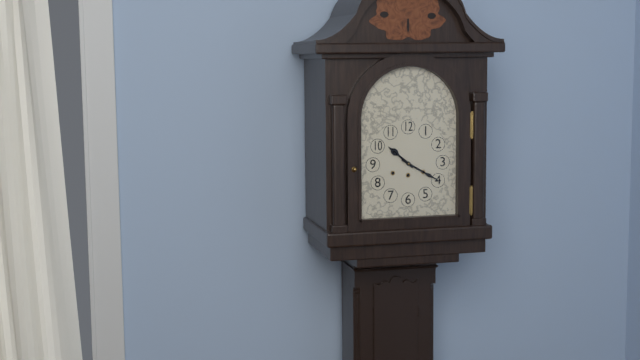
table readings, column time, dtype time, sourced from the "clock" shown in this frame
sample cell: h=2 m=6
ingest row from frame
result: h=10 m=20
